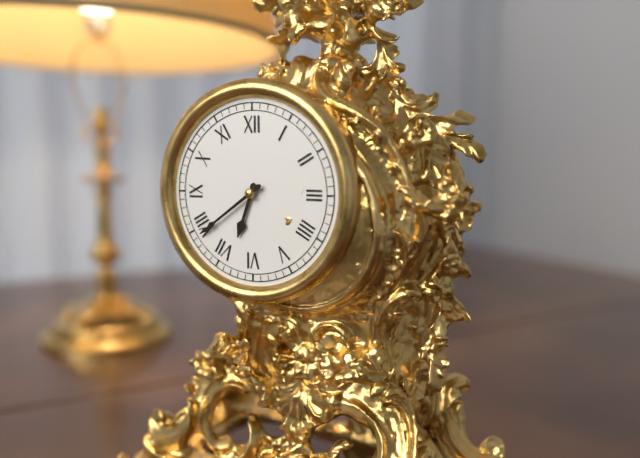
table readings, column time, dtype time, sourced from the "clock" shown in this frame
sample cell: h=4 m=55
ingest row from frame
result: h=6 m=39
